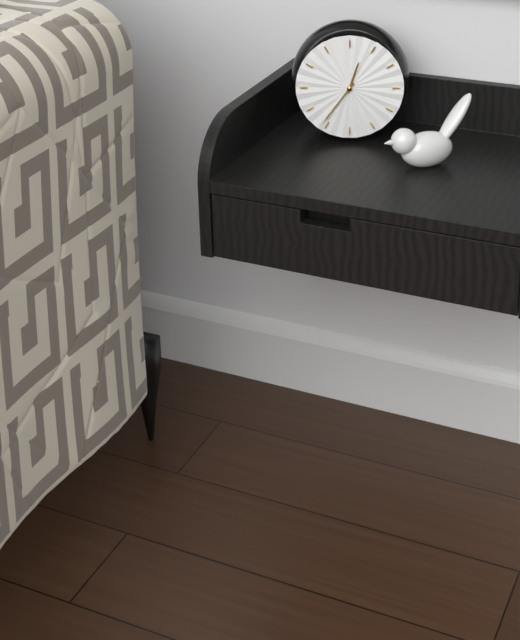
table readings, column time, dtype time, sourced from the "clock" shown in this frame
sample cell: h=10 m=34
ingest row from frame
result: h=12 m=36
